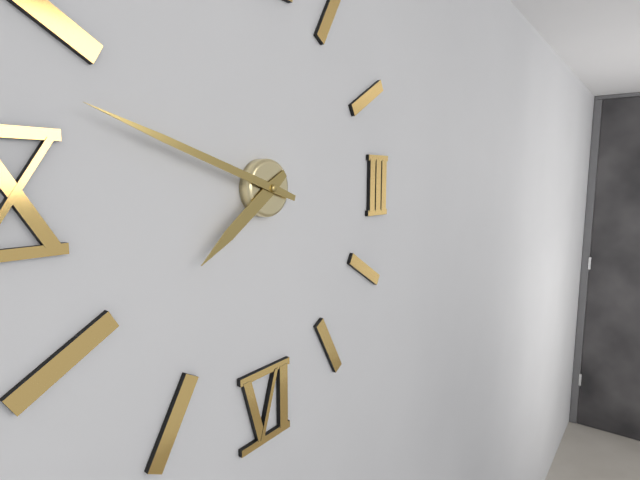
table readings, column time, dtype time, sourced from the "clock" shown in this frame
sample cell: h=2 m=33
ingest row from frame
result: h=7 m=48
